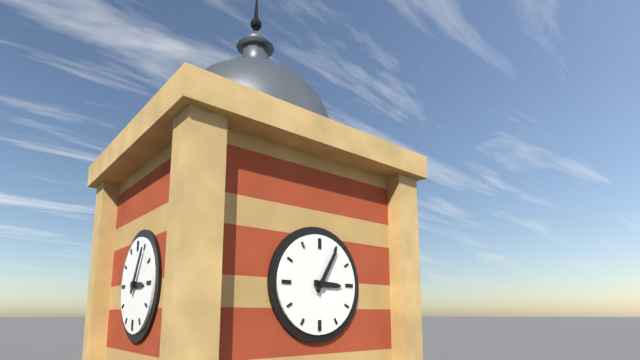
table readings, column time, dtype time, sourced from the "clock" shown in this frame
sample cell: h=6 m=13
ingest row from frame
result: h=3 m=5
